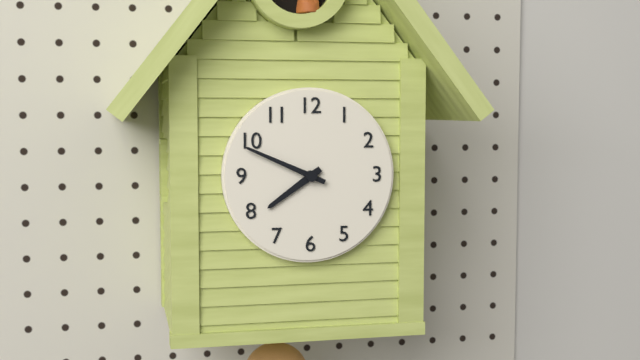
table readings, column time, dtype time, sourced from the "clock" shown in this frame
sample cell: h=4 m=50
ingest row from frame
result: h=7 m=49
